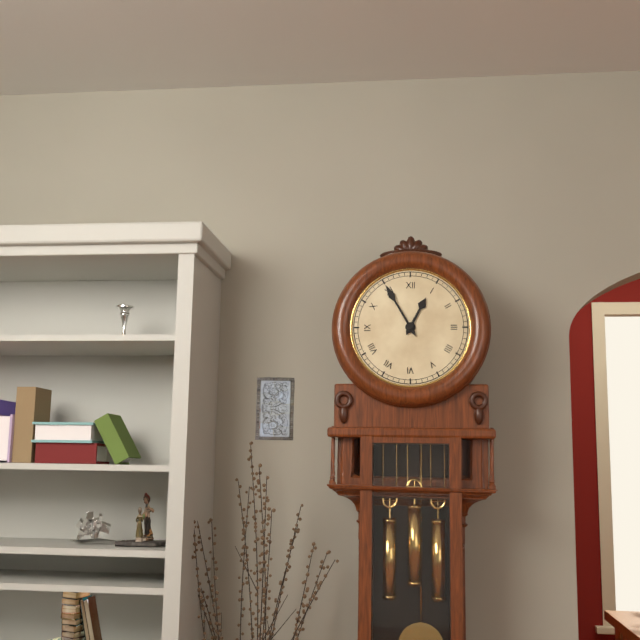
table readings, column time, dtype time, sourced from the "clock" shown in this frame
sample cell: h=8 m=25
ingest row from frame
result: h=12 m=55
